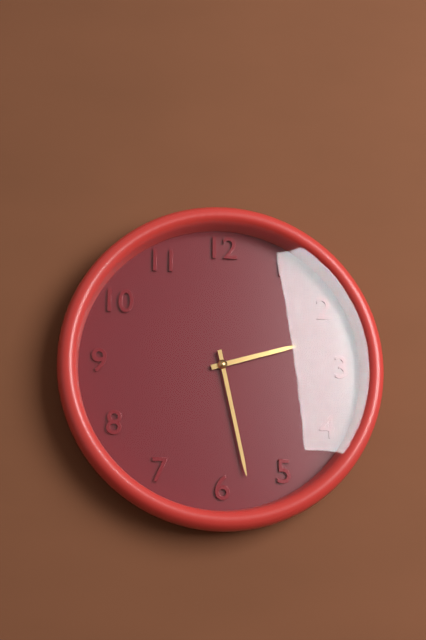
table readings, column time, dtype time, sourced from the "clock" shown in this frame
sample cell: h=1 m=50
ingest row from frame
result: h=2 m=28
